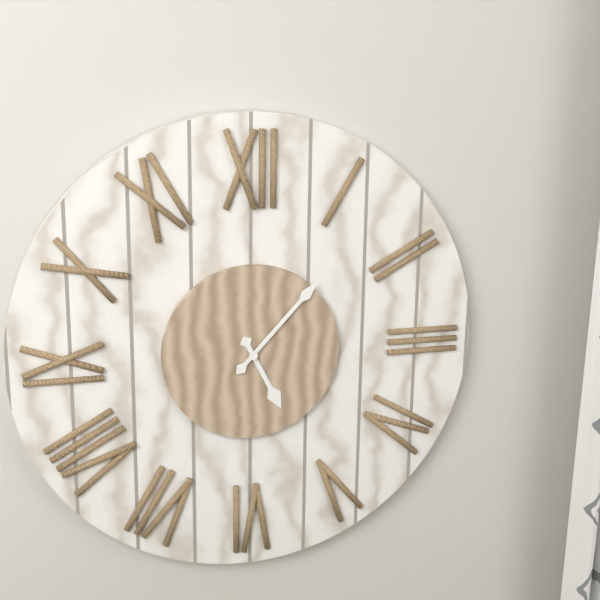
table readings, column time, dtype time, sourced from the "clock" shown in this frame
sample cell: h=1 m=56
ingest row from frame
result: h=5 m=7
